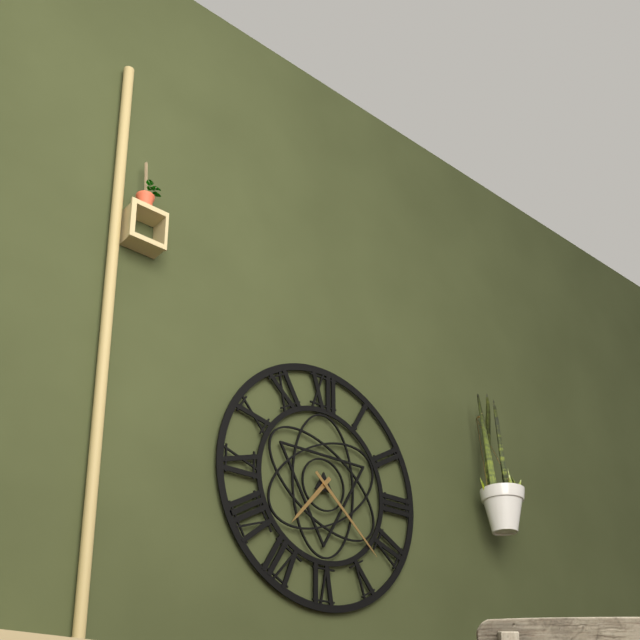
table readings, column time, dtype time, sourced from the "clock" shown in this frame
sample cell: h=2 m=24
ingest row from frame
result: h=7 m=22
